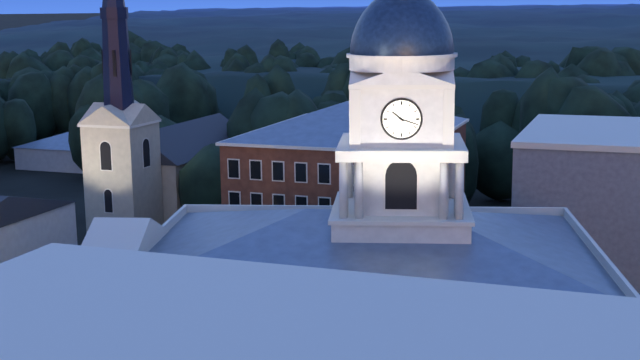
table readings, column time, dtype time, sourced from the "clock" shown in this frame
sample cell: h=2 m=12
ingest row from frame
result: h=10 m=18
